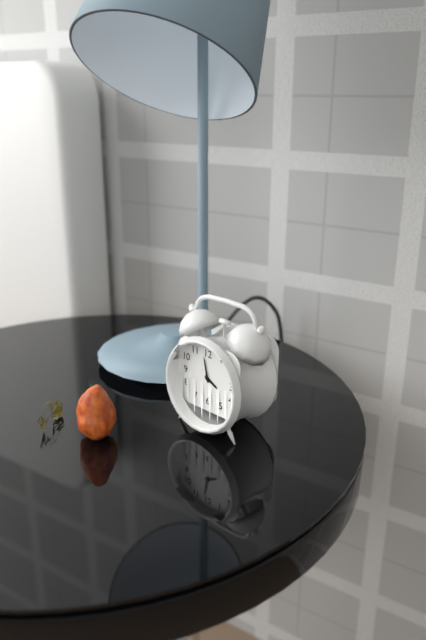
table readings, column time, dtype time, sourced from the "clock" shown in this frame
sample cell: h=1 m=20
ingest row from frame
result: h=3 m=58
